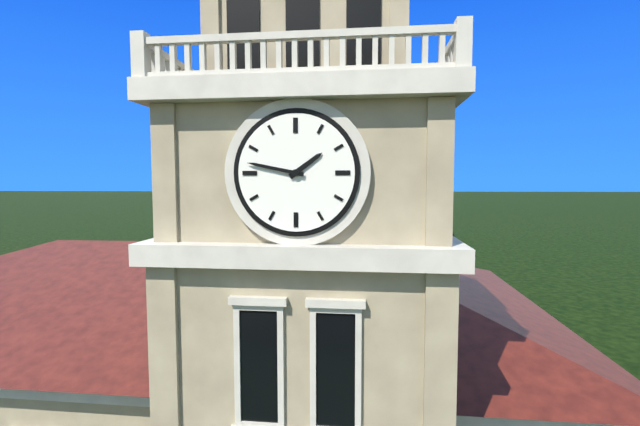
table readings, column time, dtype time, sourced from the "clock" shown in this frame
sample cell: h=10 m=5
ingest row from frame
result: h=1 m=47
